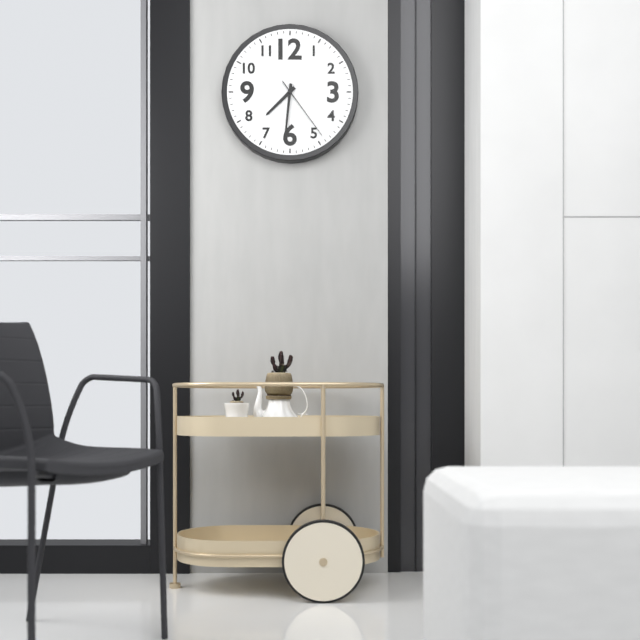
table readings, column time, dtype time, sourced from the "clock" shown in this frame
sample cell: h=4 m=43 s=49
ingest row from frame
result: h=7 m=31 s=24
